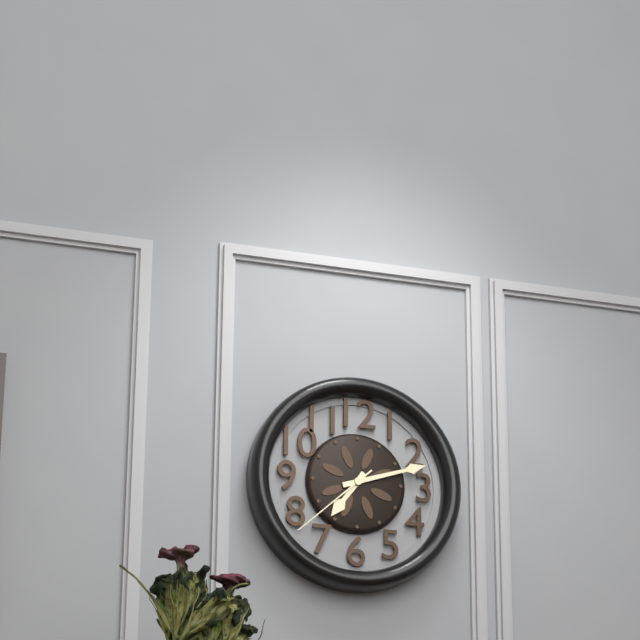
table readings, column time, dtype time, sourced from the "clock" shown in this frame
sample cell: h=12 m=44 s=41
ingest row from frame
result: h=7 m=12 s=38
